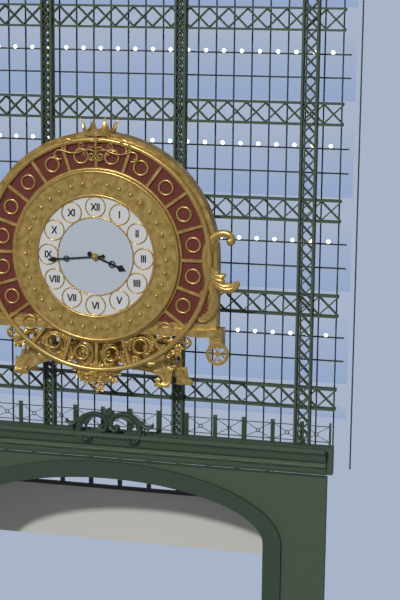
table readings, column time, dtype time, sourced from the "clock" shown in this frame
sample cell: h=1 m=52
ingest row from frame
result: h=3 m=44
